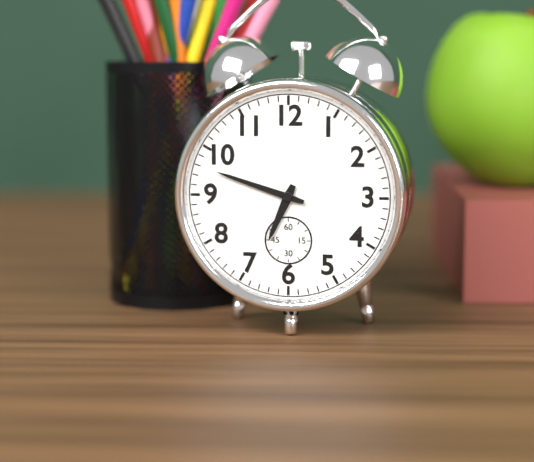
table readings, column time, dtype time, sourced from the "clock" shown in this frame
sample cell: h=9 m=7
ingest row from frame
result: h=6 m=48
